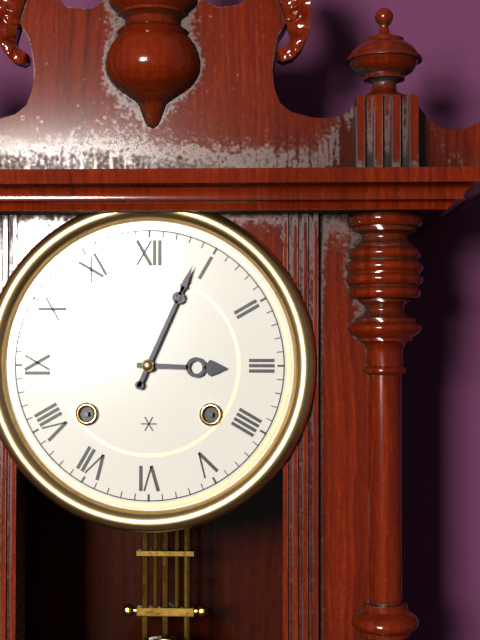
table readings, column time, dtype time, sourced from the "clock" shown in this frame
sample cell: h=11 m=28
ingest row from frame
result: h=3 m=4
